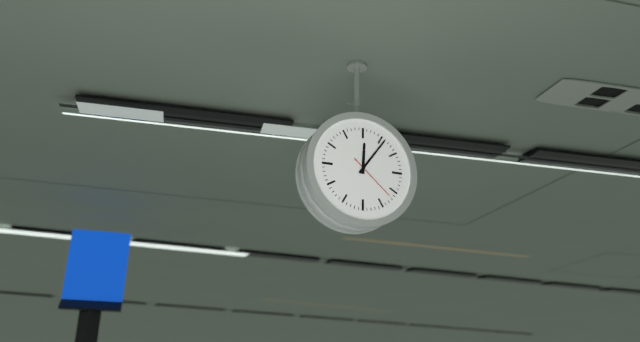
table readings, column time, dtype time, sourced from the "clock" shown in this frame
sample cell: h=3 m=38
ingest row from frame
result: h=12 m=6
